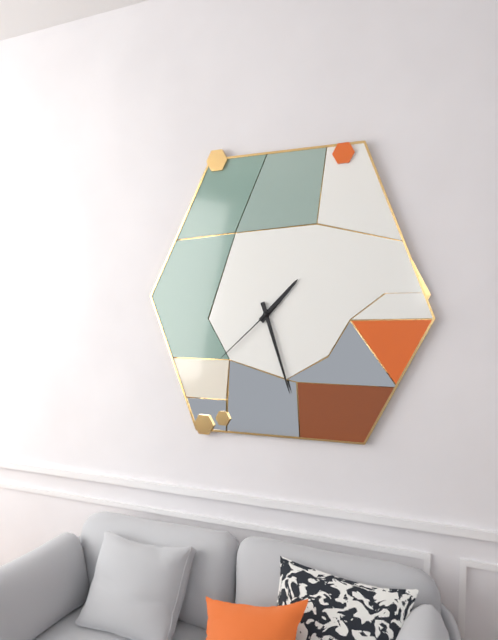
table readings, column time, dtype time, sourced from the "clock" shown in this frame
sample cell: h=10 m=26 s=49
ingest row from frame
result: h=1 m=27 s=38
